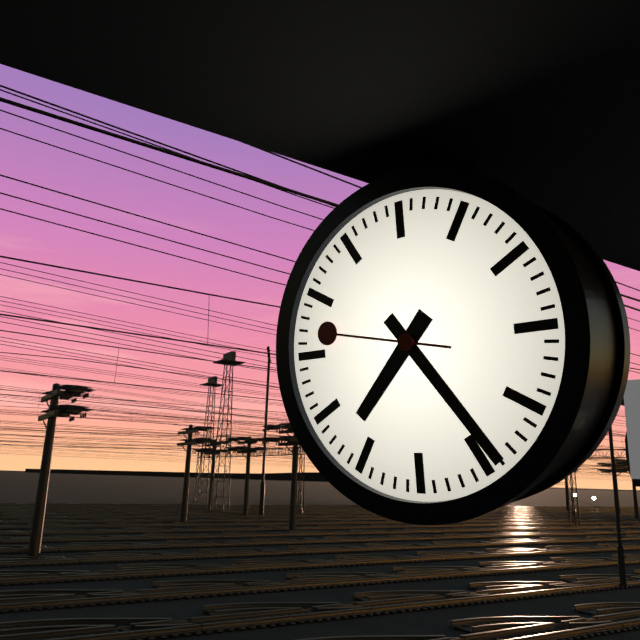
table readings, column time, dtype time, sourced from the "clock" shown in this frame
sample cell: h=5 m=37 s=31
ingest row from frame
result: h=7 m=24 s=47
